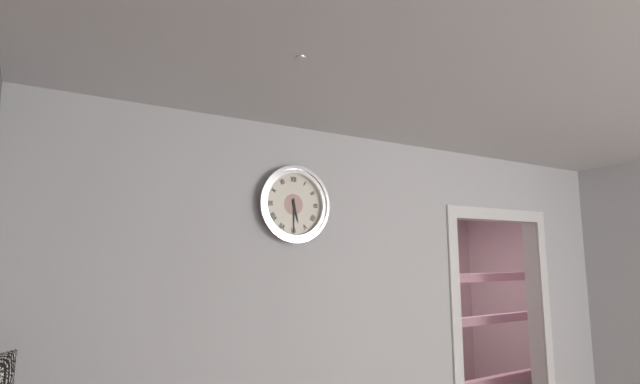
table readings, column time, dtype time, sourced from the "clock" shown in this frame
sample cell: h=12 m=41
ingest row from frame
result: h=5 m=30
